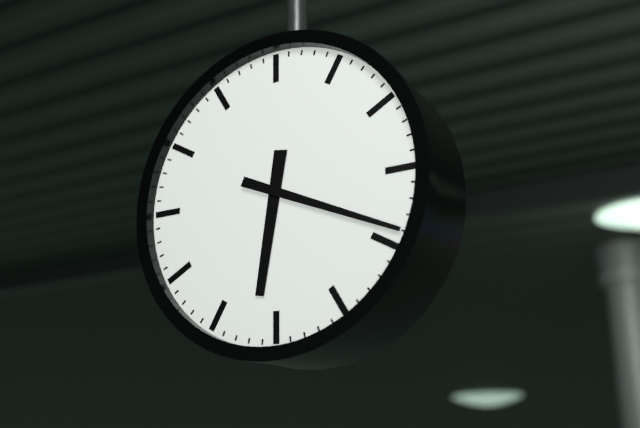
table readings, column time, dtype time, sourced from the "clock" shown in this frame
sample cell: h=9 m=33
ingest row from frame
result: h=6 m=19
